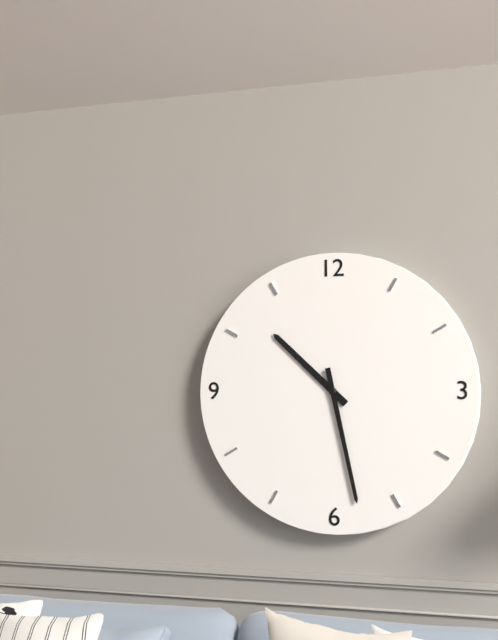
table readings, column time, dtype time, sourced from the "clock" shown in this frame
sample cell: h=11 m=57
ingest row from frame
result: h=10 m=28
